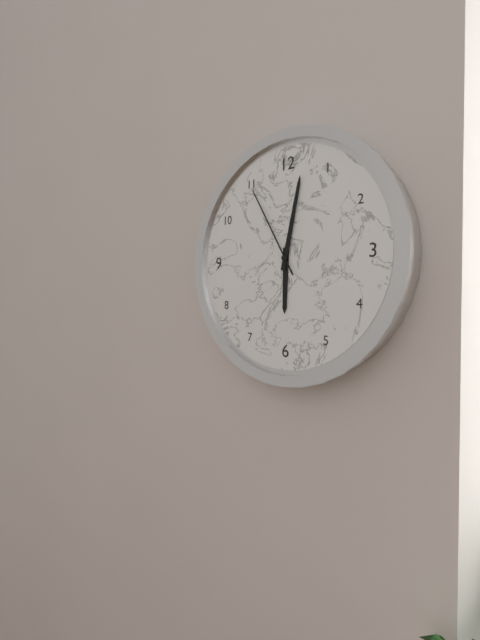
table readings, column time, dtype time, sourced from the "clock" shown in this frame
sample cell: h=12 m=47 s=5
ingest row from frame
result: h=6 m=2 s=55
